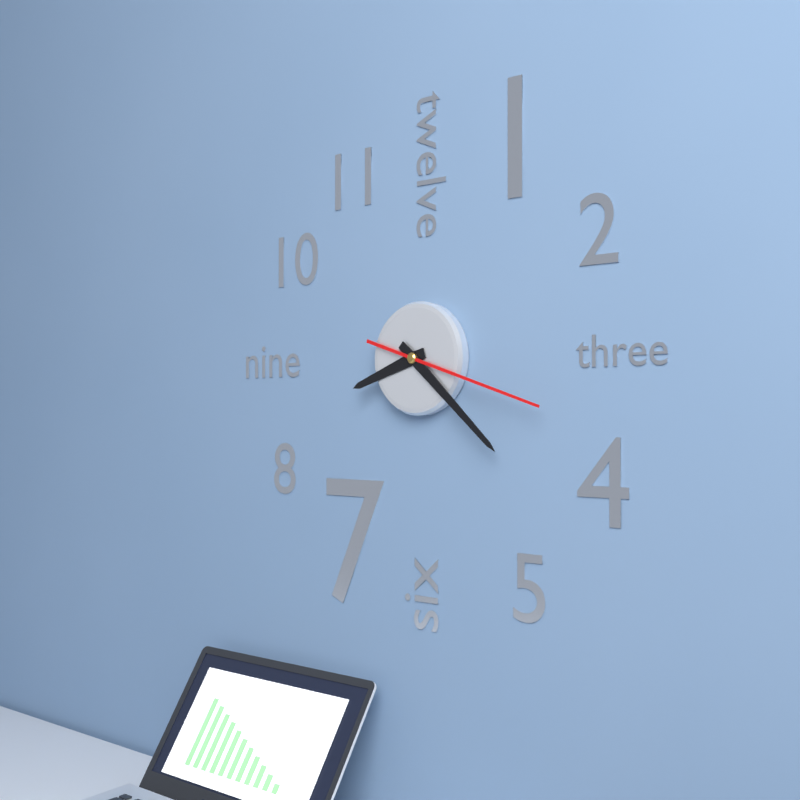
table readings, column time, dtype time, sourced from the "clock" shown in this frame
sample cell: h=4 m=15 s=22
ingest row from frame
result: h=8 m=22 s=18
